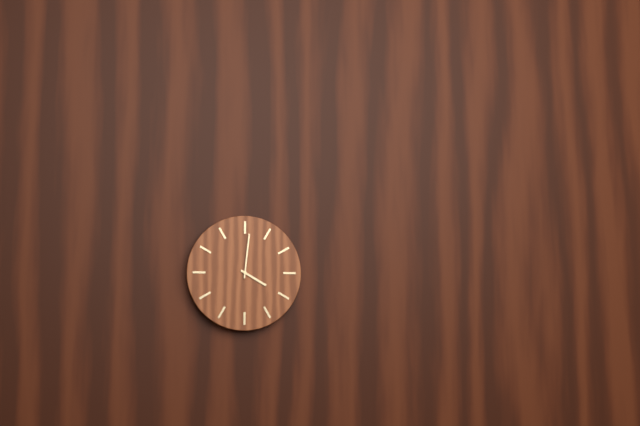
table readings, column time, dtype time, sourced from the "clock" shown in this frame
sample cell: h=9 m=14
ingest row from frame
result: h=4 m=1
